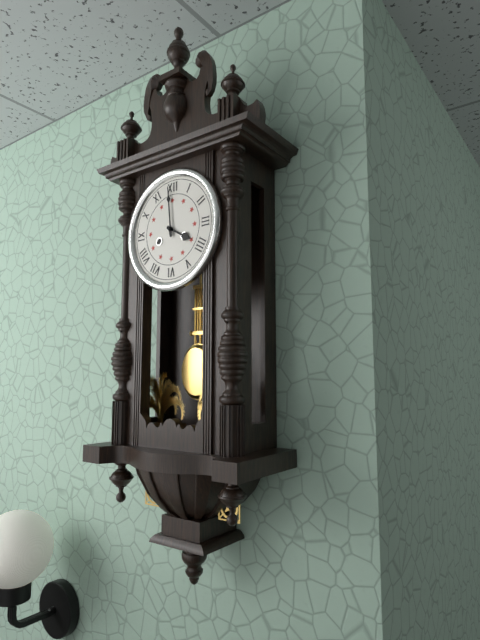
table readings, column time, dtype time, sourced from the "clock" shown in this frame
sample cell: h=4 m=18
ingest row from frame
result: h=3 m=59
